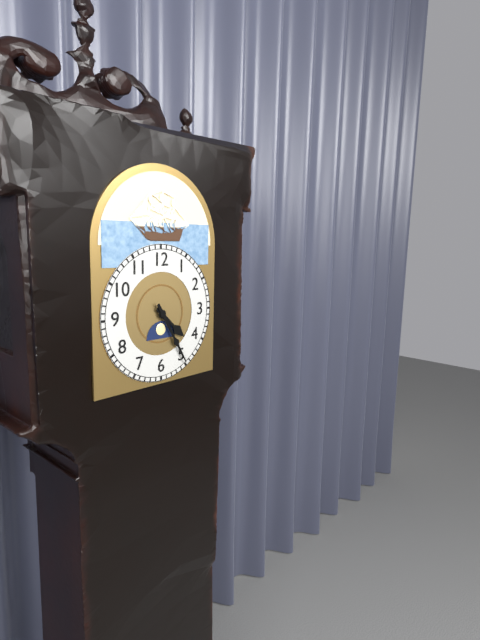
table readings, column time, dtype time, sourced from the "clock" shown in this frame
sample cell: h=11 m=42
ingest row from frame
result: h=4 m=25
